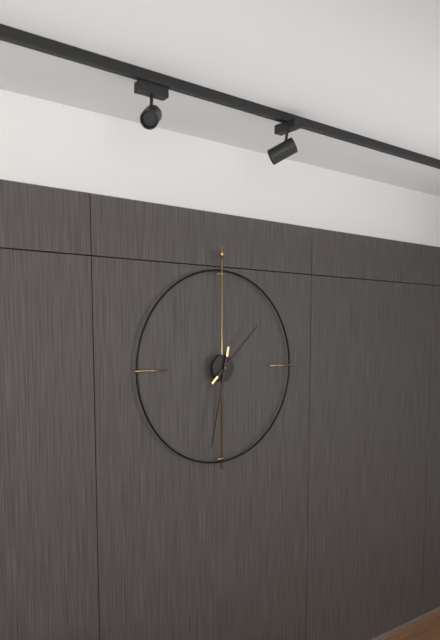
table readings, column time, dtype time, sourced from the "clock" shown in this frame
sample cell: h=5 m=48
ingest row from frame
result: h=1 m=32
